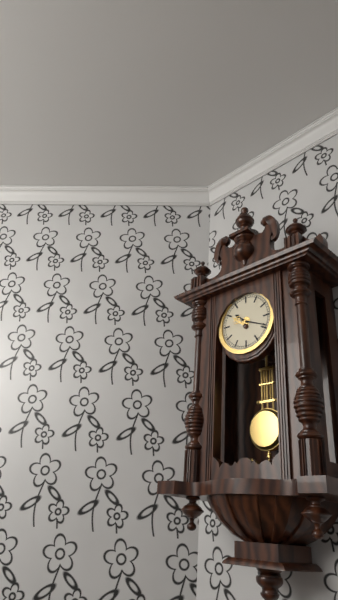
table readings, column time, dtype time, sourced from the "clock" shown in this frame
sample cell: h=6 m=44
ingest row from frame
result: h=10 m=19
